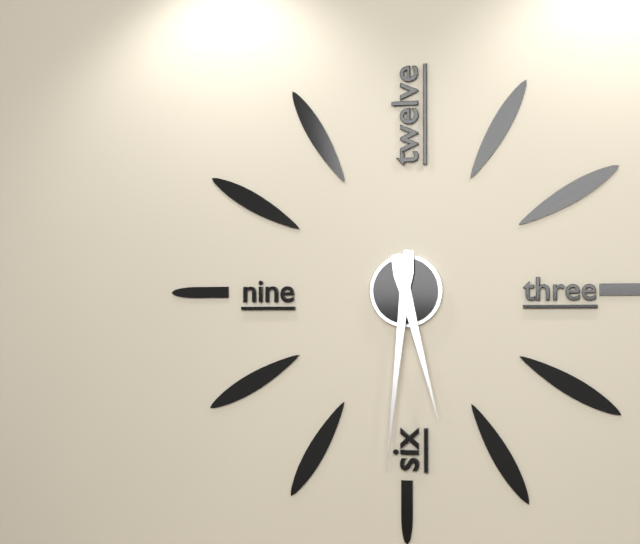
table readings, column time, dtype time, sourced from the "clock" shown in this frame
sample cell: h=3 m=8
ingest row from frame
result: h=5 m=31
